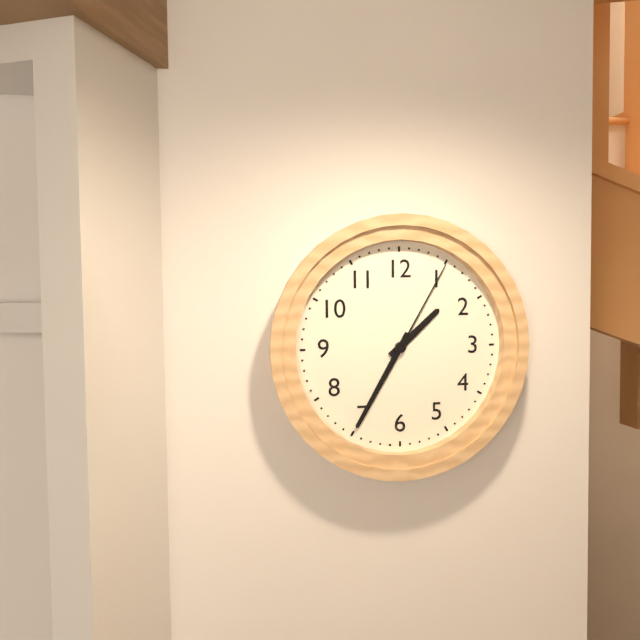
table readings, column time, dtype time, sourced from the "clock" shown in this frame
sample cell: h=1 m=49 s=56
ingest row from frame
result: h=1 m=35 s=5
